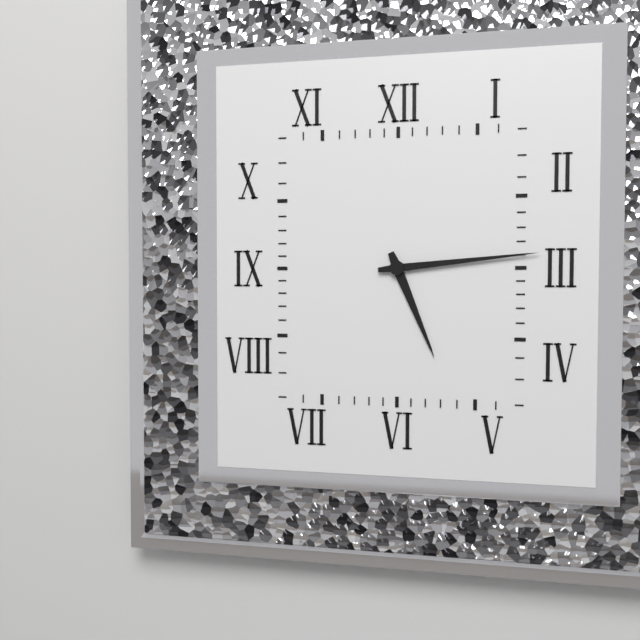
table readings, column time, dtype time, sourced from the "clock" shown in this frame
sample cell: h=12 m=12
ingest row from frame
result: h=5 m=14
